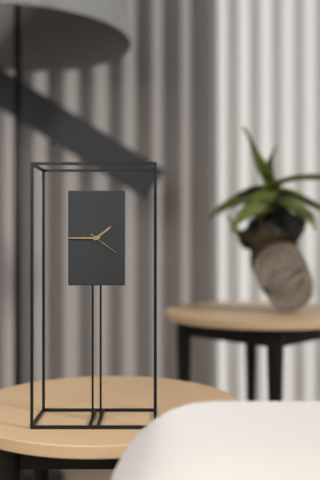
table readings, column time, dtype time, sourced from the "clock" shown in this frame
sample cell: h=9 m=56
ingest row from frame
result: h=1 m=45
